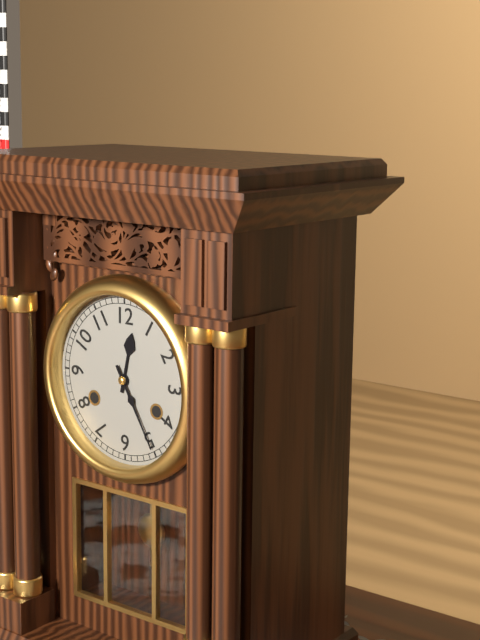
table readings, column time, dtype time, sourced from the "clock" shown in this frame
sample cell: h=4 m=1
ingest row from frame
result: h=12 m=25
